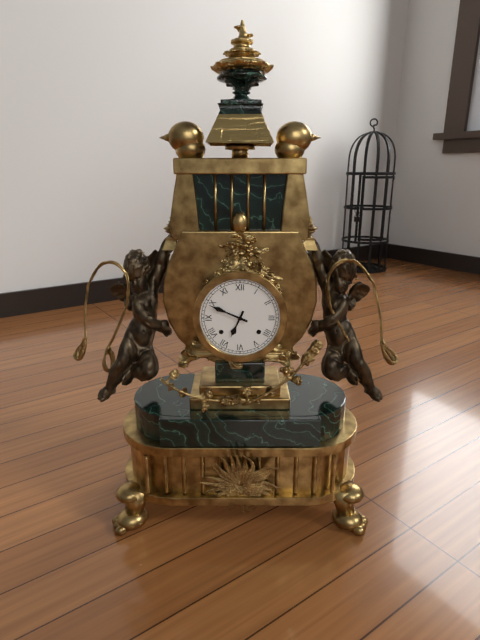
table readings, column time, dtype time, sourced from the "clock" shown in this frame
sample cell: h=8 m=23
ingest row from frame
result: h=6 m=49
